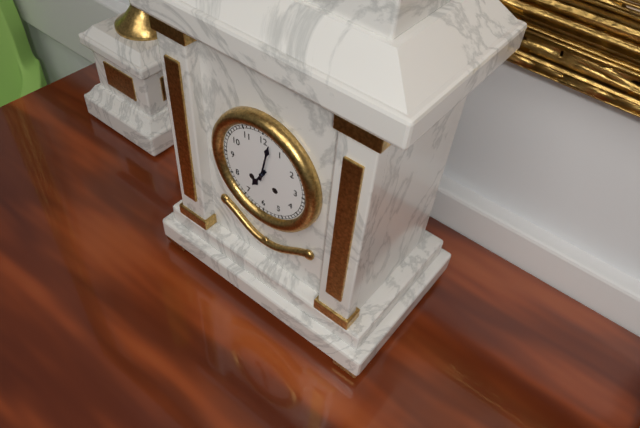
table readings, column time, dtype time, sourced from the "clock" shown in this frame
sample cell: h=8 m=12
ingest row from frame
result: h=7 m=2
